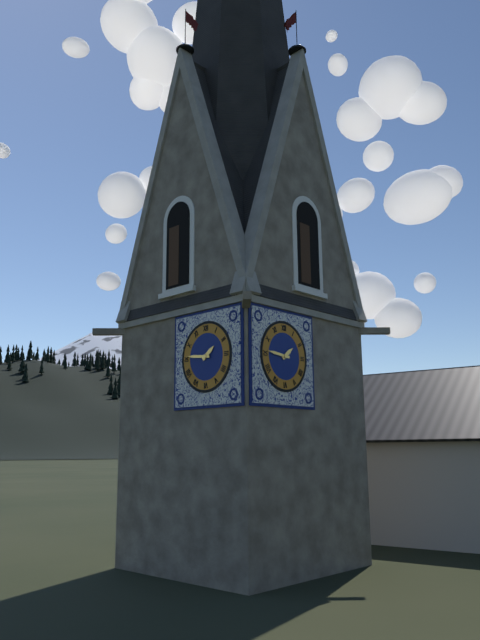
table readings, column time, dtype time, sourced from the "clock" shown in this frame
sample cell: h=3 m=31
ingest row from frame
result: h=1 m=46
